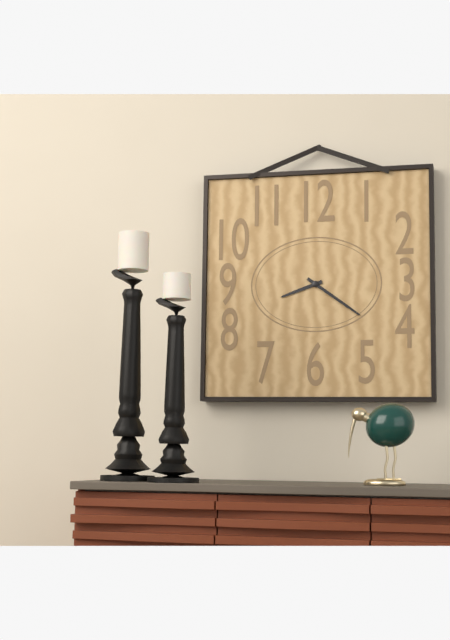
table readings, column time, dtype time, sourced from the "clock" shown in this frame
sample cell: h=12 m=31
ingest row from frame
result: h=8 m=21
